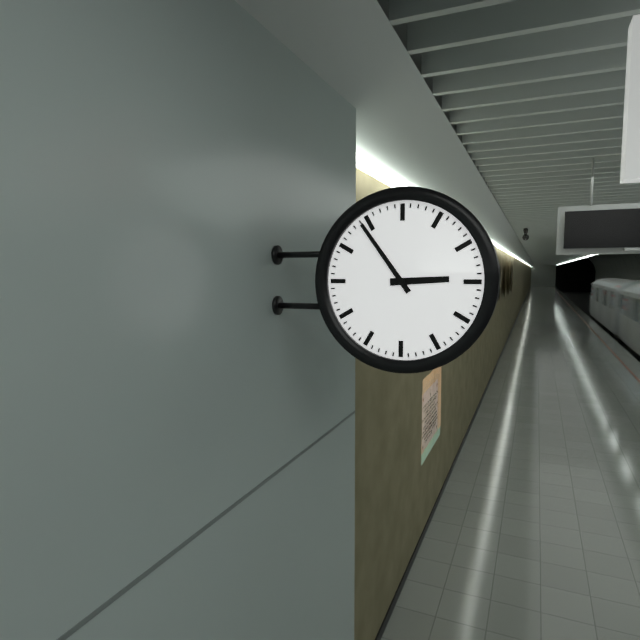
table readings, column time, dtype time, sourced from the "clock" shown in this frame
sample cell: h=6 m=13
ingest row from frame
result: h=2 m=54
